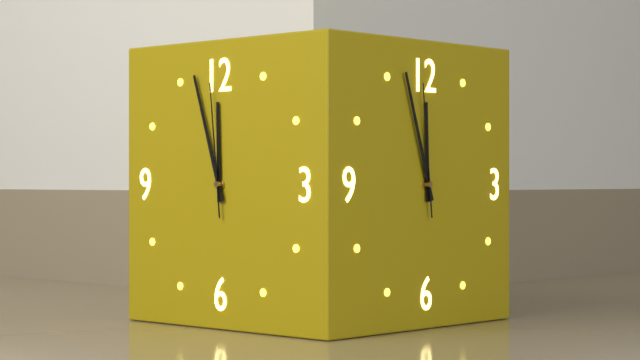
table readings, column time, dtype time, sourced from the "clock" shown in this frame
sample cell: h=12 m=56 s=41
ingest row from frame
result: h=11 m=57 s=59
